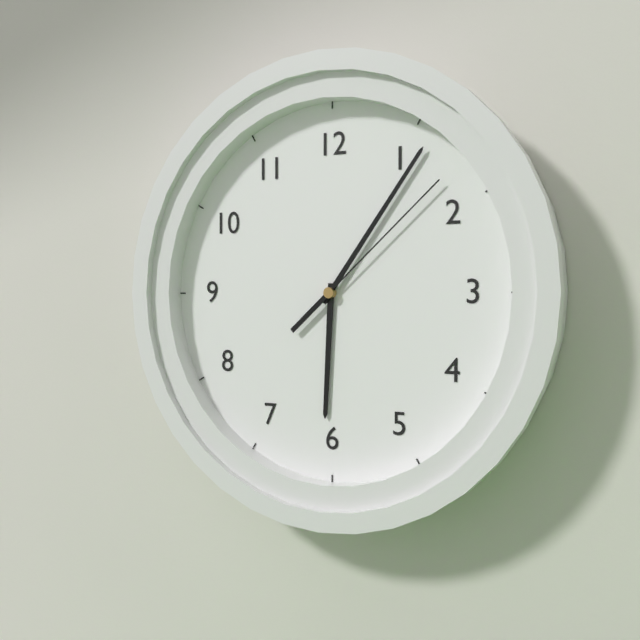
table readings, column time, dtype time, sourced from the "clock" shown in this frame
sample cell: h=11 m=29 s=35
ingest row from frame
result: h=6 m=6 s=8
